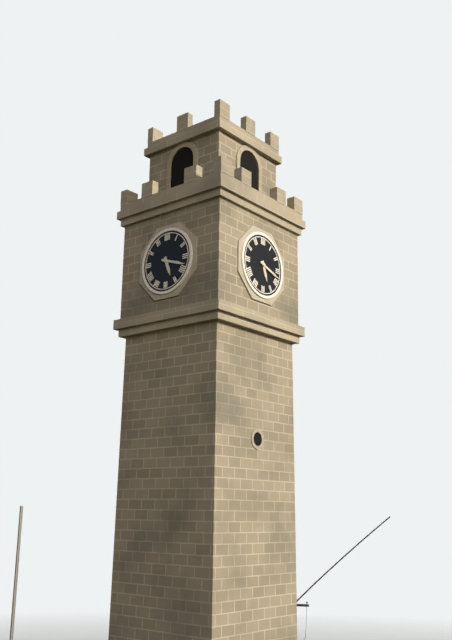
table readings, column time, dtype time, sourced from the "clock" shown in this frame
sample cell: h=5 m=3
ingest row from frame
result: h=5 m=18
